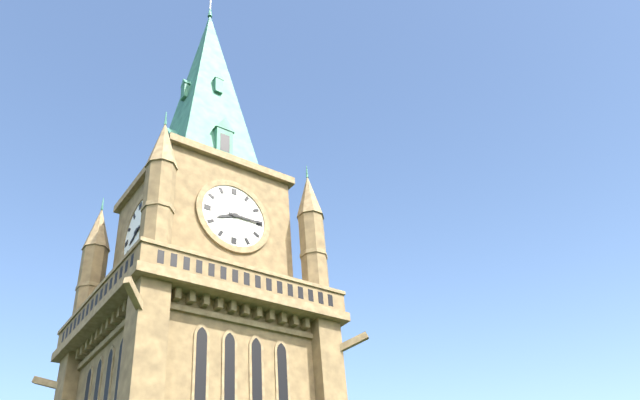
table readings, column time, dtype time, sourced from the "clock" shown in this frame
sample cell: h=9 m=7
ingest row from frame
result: h=8 m=15
